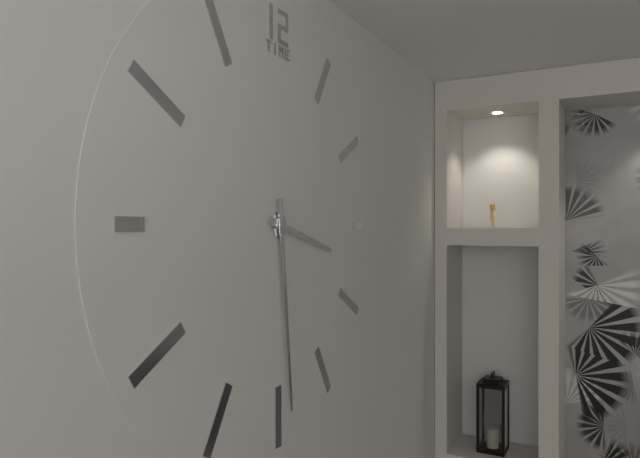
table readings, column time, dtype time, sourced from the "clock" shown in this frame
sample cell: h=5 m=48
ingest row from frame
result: h=3 m=29
